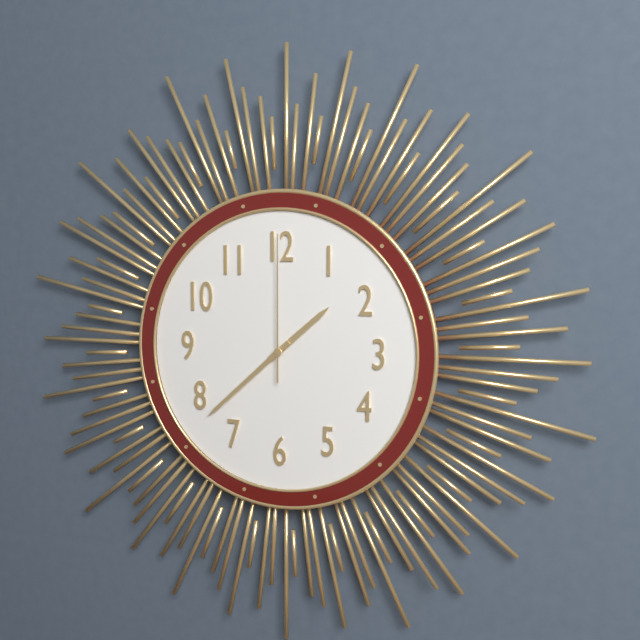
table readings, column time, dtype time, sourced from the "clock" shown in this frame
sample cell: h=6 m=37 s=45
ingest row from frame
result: h=1 m=38 s=0
